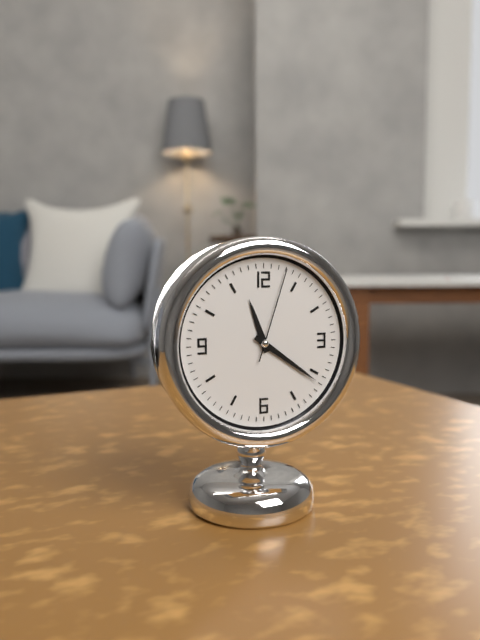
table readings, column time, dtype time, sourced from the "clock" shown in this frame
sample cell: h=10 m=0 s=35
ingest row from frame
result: h=11 m=21 s=3
